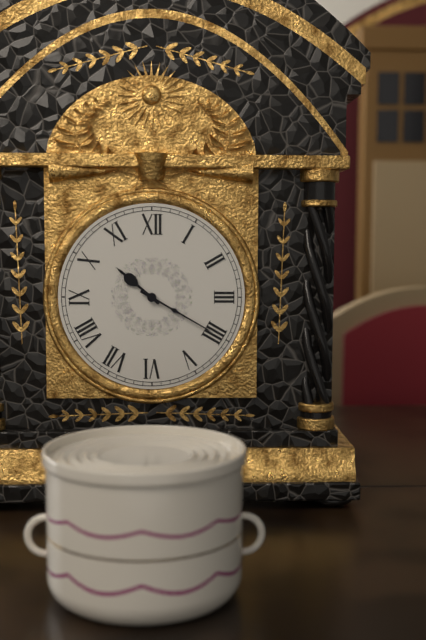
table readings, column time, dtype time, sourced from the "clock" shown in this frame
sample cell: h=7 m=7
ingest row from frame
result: h=10 m=20
